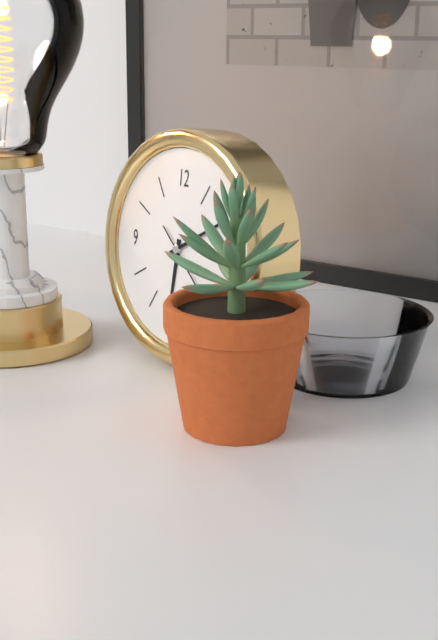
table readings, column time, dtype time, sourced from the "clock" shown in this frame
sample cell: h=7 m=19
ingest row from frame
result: h=6 m=10
